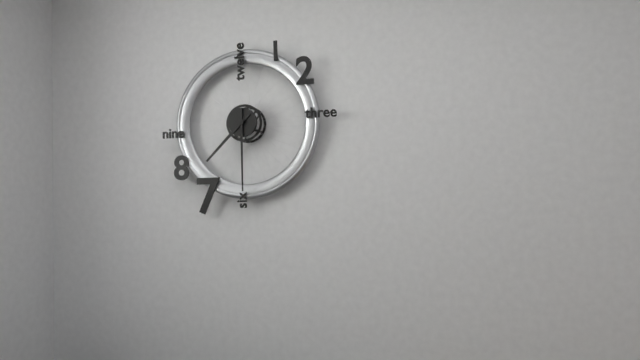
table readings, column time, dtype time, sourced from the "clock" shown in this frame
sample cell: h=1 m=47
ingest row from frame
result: h=7 m=30
